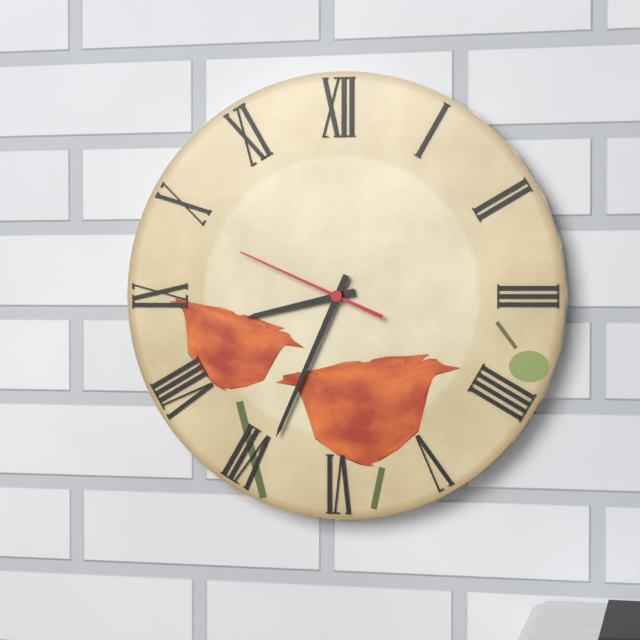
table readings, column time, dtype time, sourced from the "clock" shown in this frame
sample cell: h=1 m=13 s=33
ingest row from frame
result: h=8 m=34 s=49
